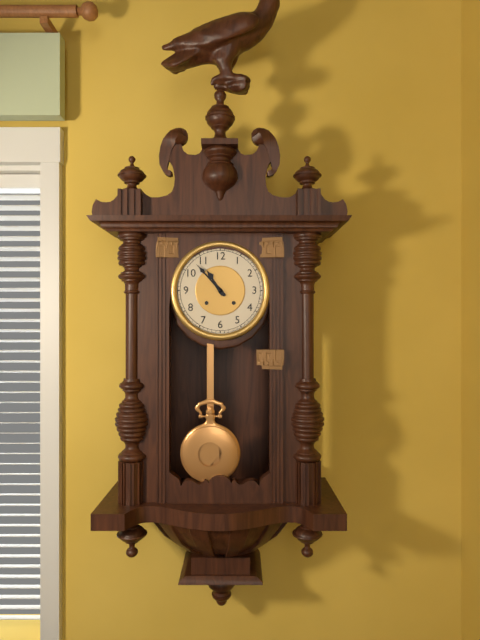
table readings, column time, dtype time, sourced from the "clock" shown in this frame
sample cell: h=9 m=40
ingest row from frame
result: h=10 m=53
